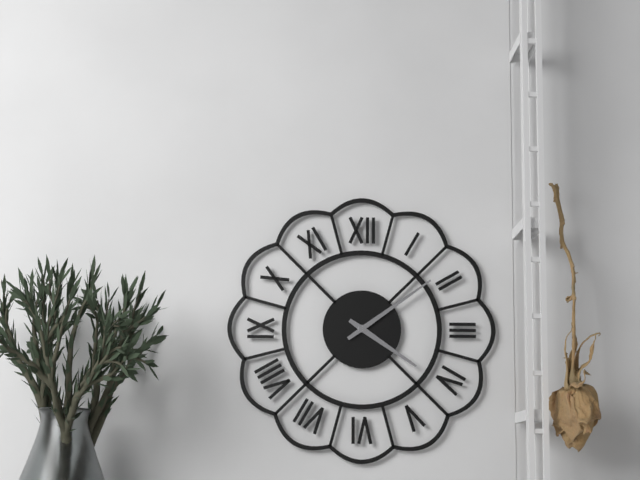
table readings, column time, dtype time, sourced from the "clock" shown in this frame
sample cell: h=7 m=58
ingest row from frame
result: h=4 m=9
